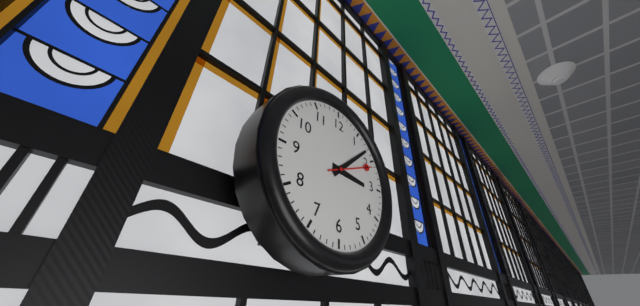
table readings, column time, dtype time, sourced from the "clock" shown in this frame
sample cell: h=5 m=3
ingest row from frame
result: h=3 m=8
